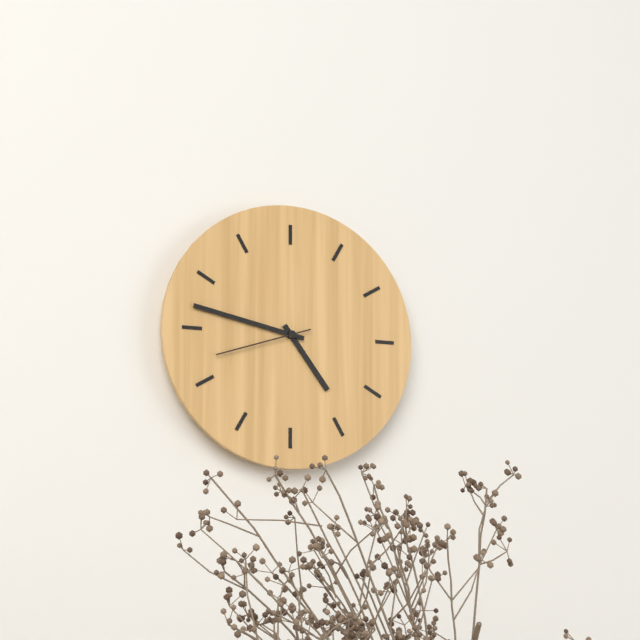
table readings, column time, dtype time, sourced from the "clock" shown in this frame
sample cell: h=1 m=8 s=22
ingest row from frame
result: h=4 m=47 s=42
